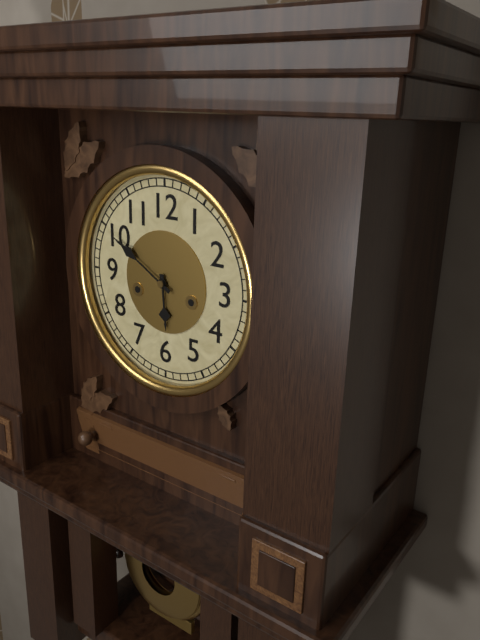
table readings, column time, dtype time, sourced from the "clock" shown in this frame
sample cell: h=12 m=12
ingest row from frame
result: h=5 m=50
